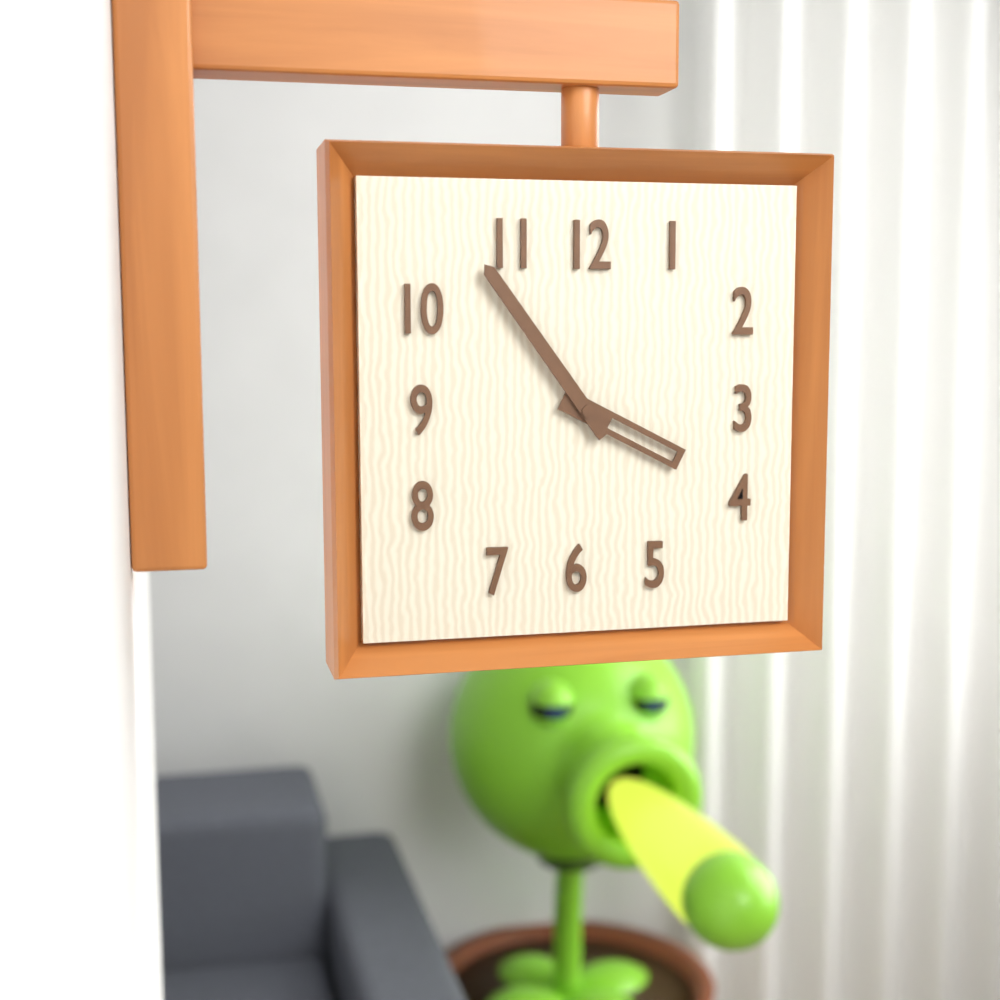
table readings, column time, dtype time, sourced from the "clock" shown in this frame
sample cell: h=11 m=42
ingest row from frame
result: h=3 m=54
